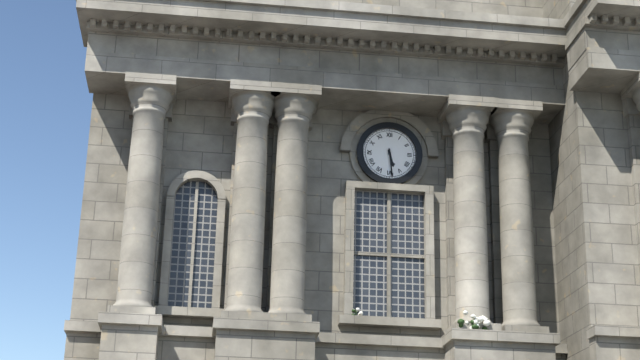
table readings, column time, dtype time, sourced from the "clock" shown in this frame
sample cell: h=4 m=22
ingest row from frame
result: h=5 m=29
